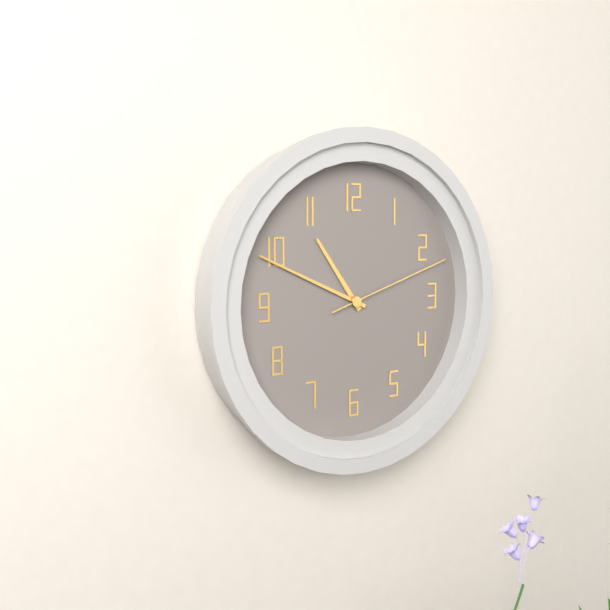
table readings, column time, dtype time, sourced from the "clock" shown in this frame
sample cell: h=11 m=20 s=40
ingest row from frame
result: h=10 m=49 s=12
